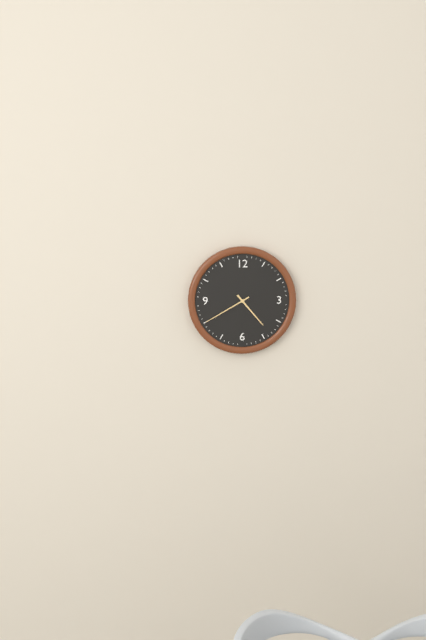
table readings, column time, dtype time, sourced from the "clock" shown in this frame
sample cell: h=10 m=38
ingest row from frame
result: h=4 m=40
